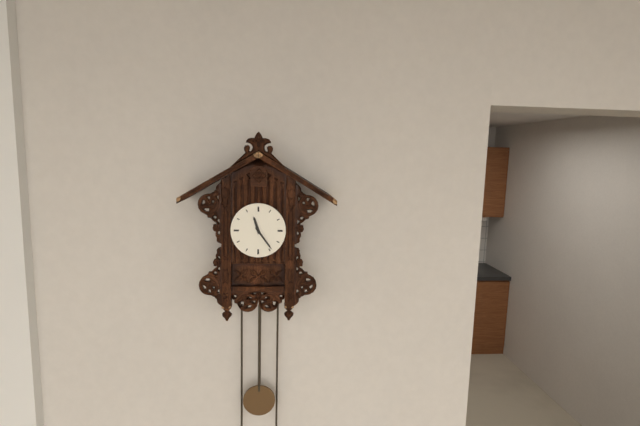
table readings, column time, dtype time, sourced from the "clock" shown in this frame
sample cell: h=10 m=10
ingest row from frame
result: h=11 m=24
